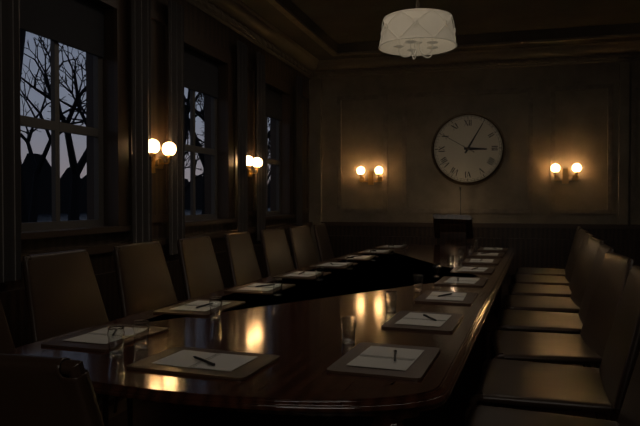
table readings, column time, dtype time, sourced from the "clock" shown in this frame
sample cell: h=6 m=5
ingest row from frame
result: h=3 m=5
